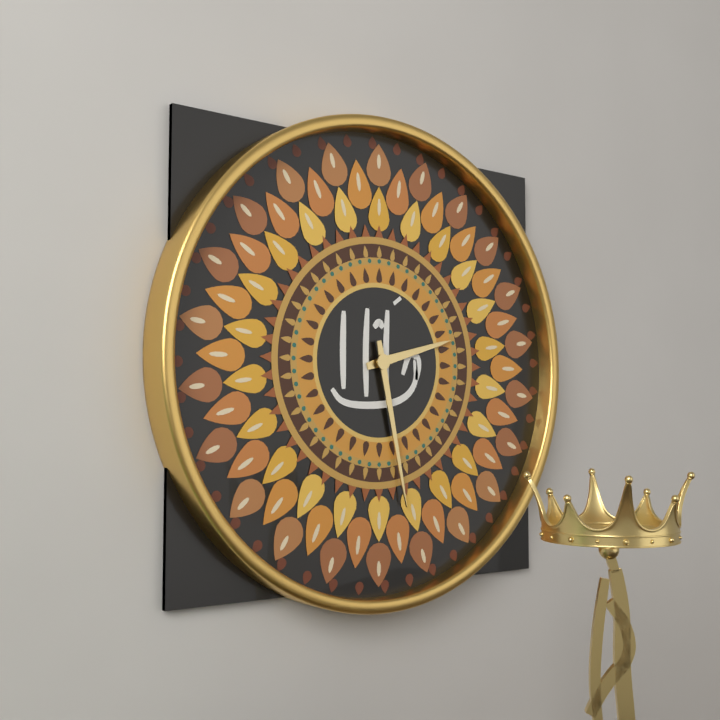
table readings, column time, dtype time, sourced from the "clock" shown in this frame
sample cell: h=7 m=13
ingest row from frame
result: h=2 m=28
